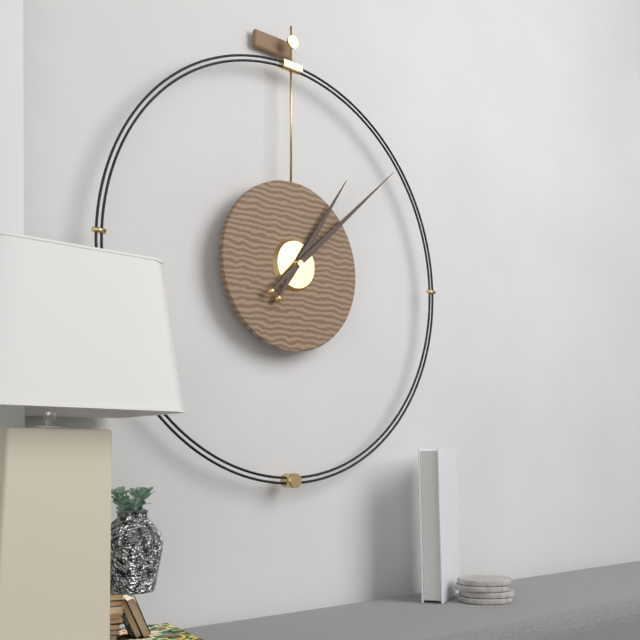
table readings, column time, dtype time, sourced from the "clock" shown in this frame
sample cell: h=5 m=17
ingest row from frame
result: h=1 m=8
